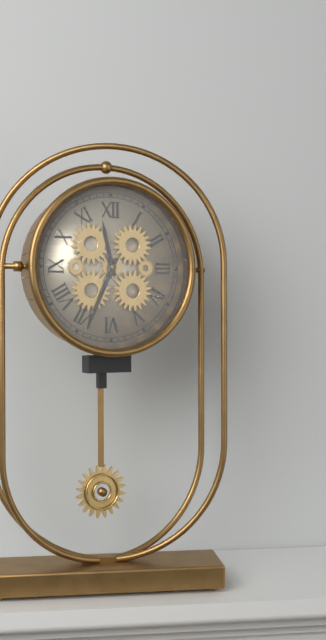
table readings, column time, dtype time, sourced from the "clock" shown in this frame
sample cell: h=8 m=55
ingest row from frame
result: h=11 m=34
